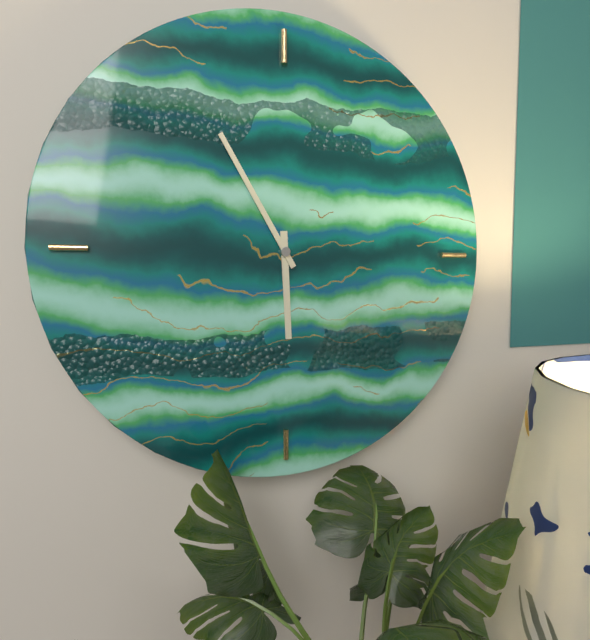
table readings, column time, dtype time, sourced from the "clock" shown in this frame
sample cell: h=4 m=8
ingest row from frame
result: h=5 m=55
